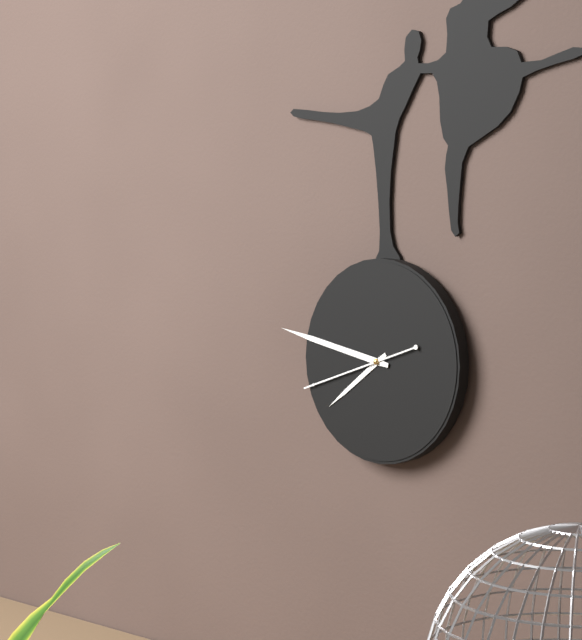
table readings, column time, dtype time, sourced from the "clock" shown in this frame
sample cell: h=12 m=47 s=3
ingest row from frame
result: h=7 m=47 s=42
